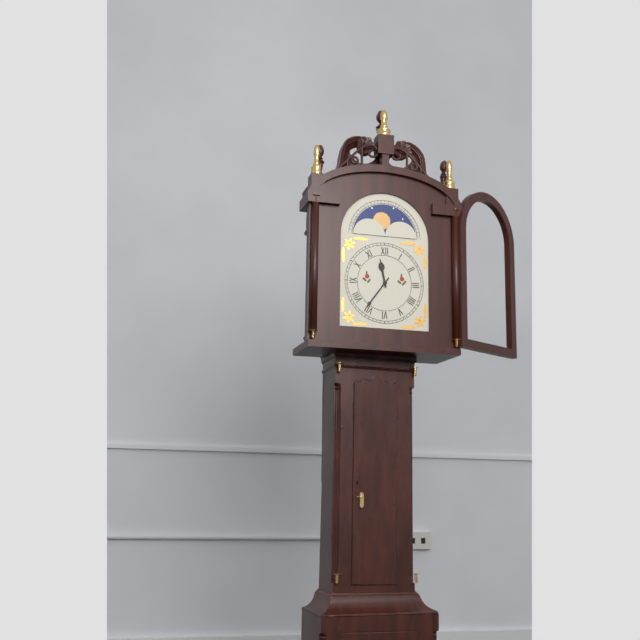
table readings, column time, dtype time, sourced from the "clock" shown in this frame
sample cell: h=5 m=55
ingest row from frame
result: h=11 m=36
